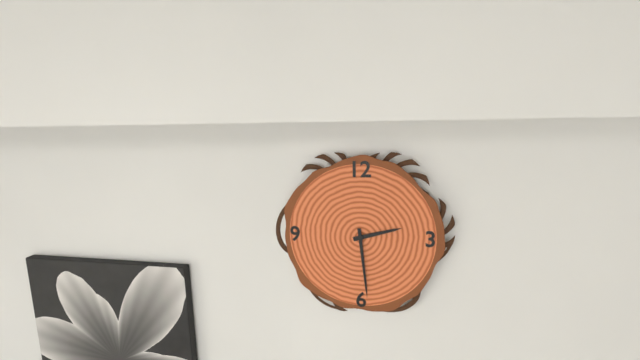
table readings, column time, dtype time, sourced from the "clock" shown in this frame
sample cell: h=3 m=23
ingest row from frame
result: h=2 m=29
